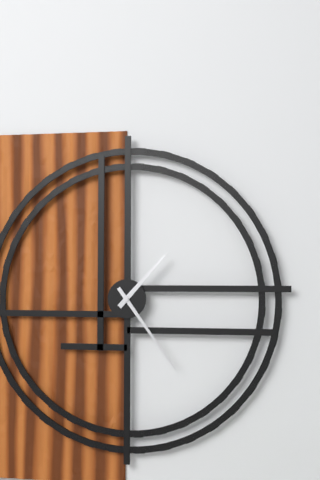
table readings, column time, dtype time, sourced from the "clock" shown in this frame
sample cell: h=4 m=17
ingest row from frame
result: h=1 m=24
